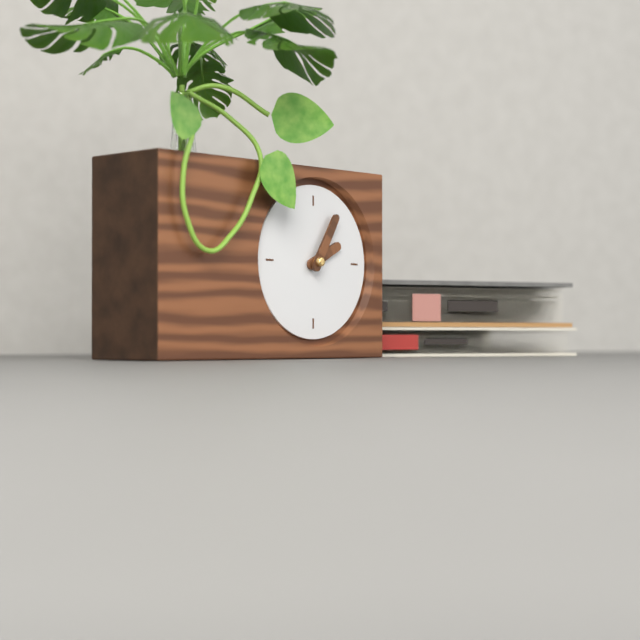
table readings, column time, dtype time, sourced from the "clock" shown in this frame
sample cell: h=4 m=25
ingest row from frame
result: h=2 m=5
